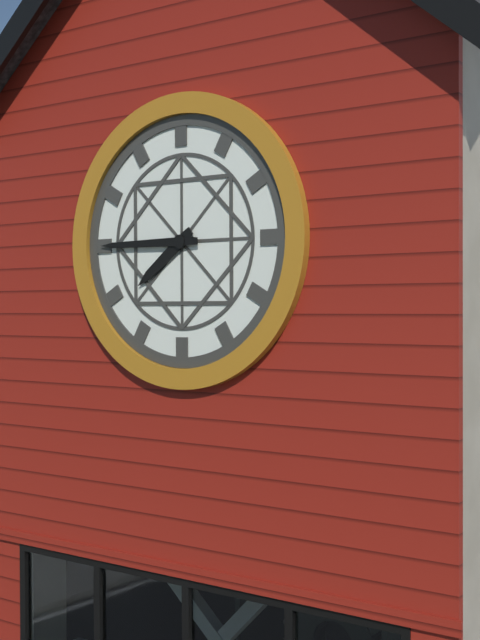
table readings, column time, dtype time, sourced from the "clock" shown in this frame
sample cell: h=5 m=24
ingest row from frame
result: h=7 m=45
